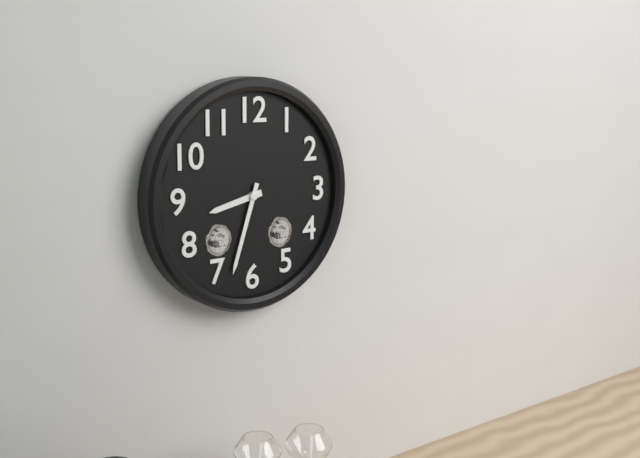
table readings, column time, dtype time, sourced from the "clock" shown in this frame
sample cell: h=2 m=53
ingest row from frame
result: h=8 m=33
